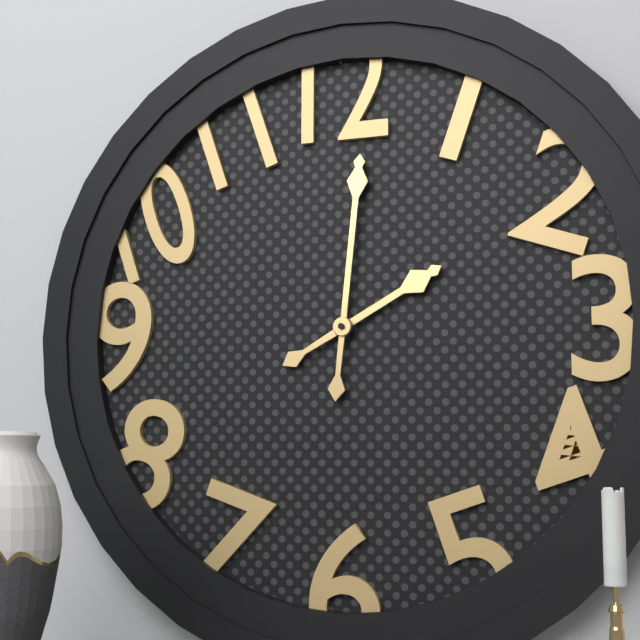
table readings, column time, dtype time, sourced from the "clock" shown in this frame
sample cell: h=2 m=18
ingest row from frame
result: h=2 m=1
